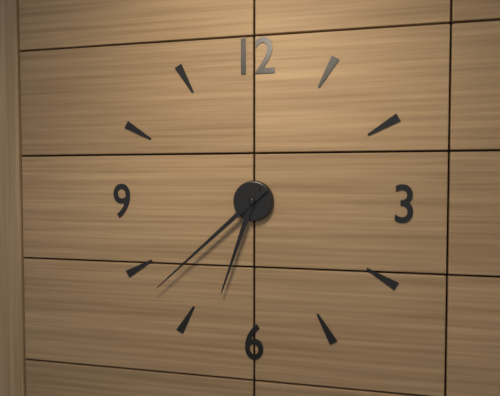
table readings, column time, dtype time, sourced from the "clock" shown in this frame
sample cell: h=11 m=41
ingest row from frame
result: h=6 m=38
